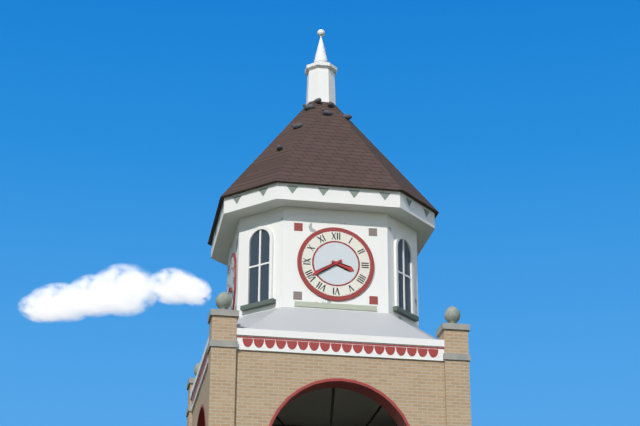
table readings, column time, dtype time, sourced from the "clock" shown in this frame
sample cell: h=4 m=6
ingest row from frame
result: h=3 m=40
